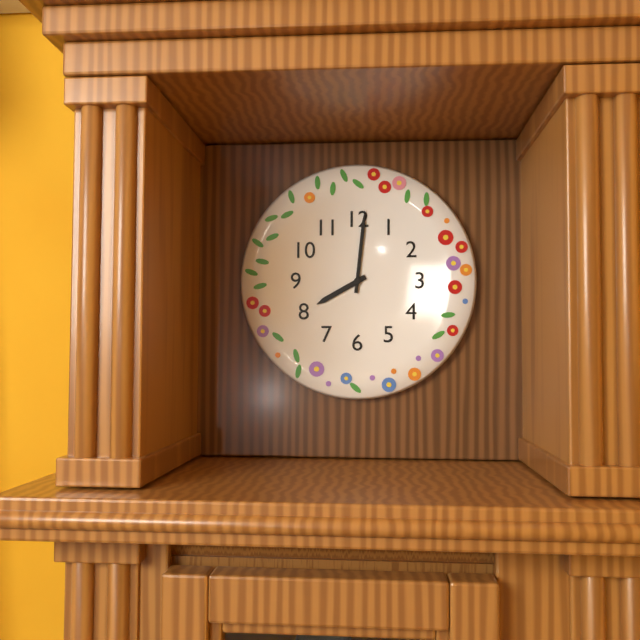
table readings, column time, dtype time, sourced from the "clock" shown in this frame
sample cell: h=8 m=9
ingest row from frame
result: h=8 m=1
